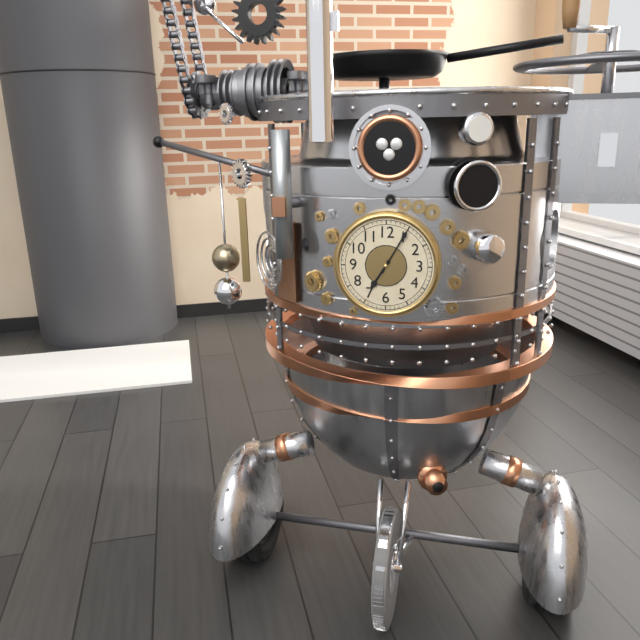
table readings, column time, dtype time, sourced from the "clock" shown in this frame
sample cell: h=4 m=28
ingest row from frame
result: h=7 m=5
